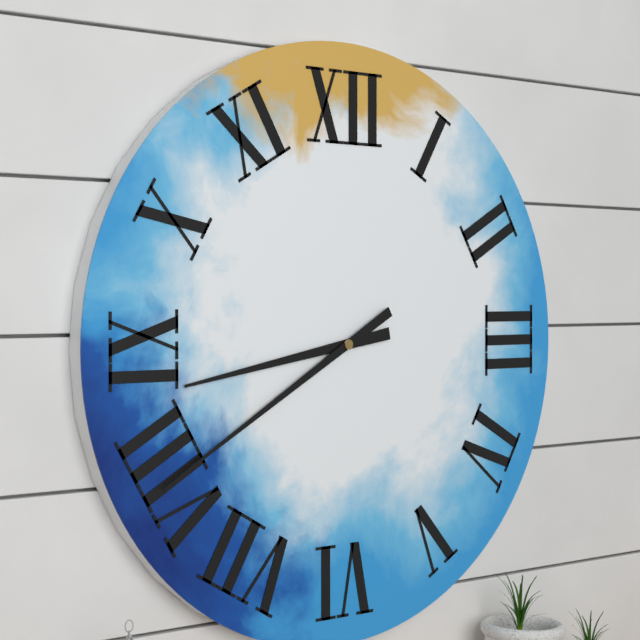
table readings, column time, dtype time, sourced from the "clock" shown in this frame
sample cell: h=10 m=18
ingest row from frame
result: h=8 m=40
